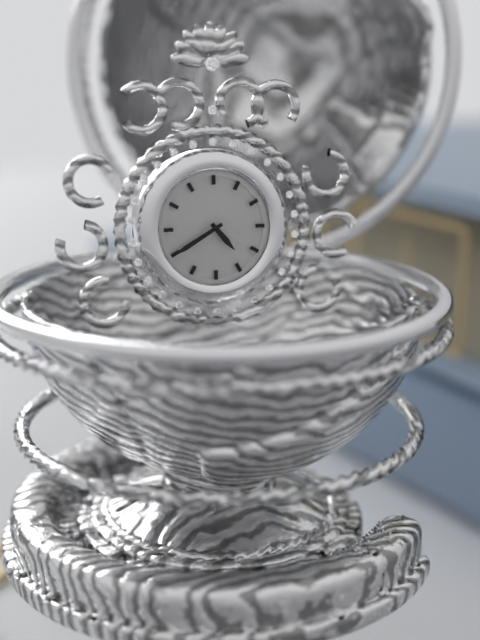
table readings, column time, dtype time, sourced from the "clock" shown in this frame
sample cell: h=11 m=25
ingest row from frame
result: h=4 m=40
